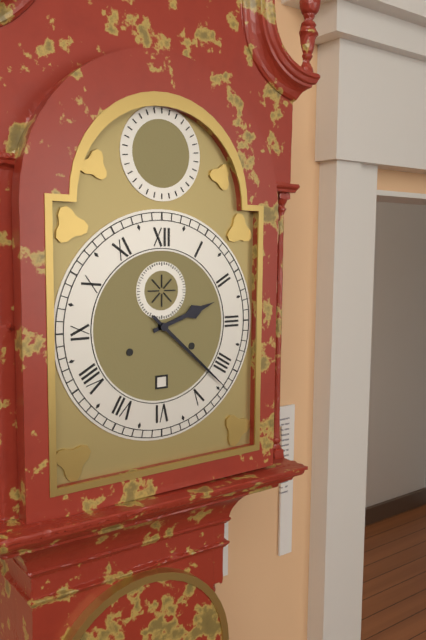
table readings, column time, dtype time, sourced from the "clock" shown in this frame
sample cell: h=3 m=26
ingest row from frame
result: h=2 m=22
